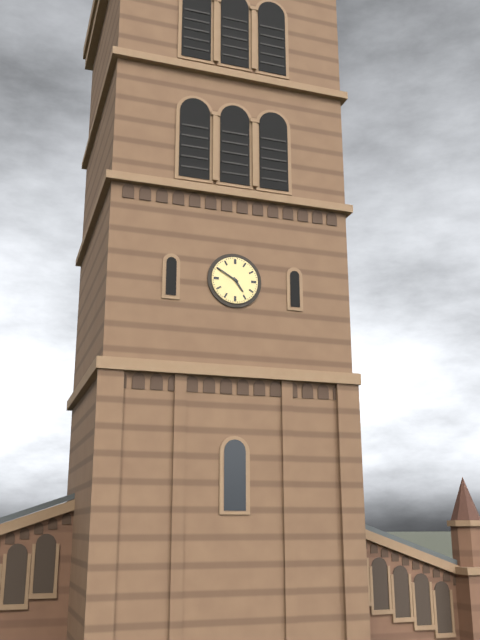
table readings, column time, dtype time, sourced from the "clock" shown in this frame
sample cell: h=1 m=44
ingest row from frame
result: h=4 m=50
